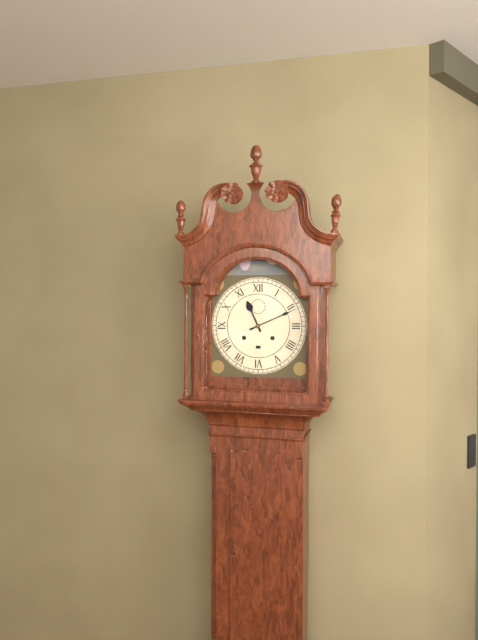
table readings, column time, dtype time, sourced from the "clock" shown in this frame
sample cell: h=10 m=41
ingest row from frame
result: h=11 m=11
